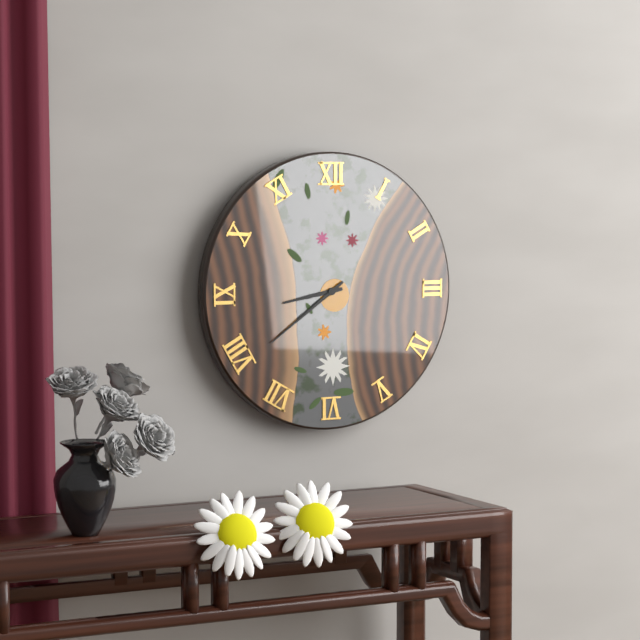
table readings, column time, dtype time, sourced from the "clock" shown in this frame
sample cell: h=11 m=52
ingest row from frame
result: h=8 m=39
